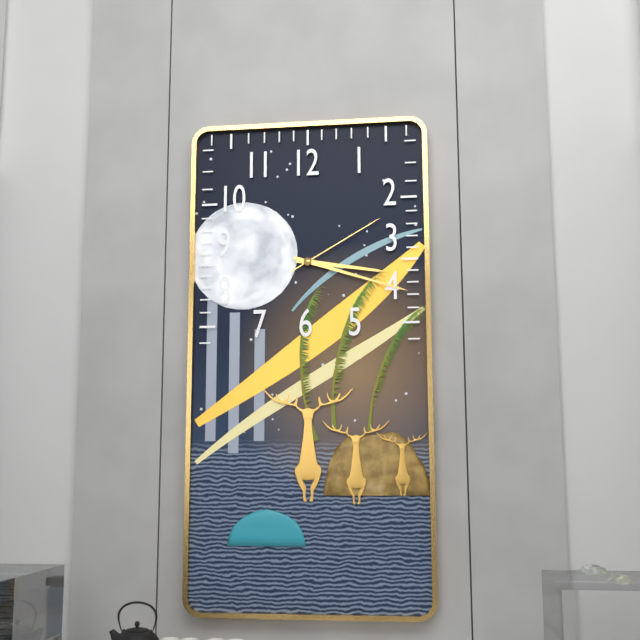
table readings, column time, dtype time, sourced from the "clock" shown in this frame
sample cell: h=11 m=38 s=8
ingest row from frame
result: h=3 m=18 s=10
